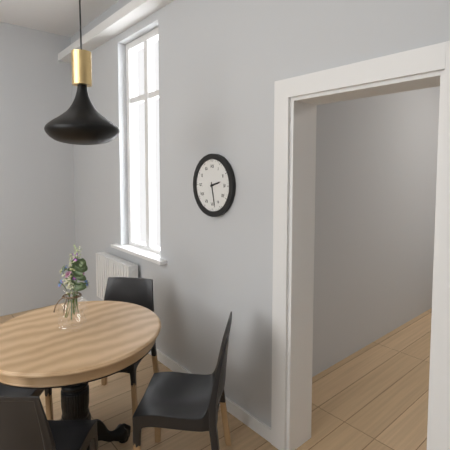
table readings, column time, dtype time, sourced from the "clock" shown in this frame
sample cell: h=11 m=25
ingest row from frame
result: h=2 m=28
